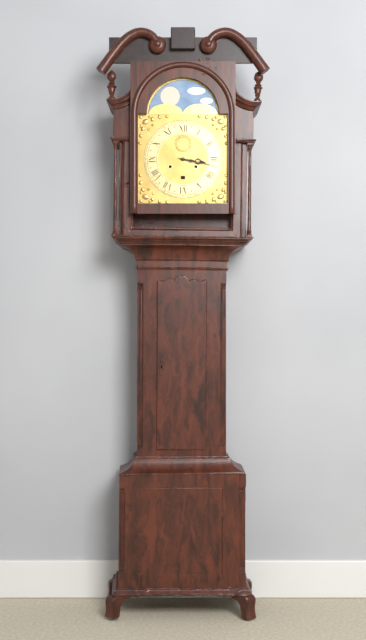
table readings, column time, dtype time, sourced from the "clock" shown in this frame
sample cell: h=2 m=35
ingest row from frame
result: h=3 m=17
